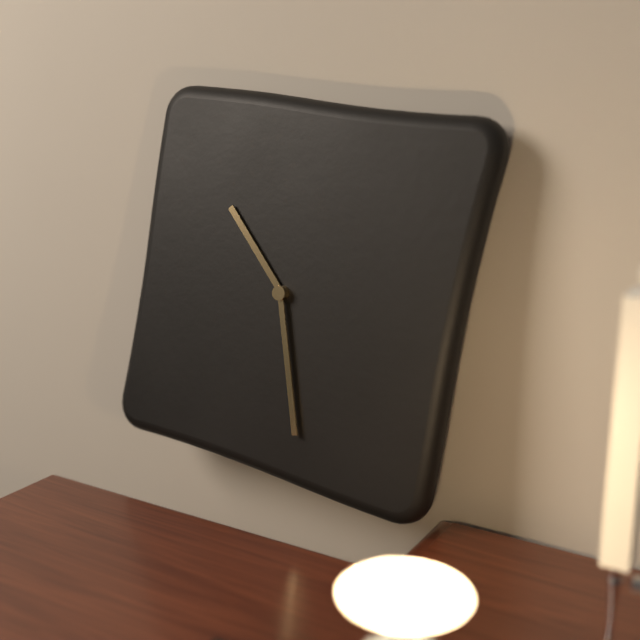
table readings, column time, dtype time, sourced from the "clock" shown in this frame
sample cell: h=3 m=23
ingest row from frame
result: h=10 m=27
